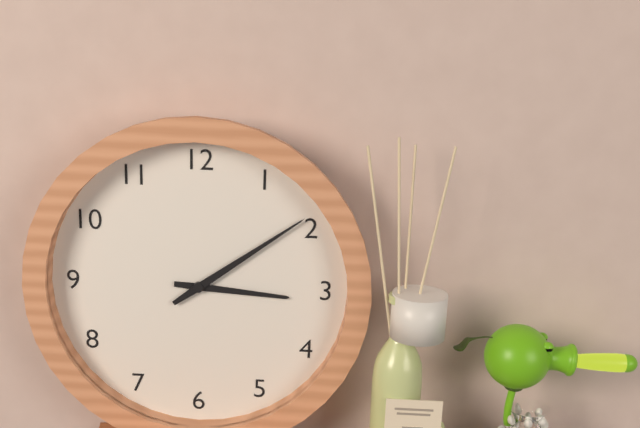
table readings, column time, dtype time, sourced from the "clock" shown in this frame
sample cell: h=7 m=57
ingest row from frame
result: h=3 m=9
